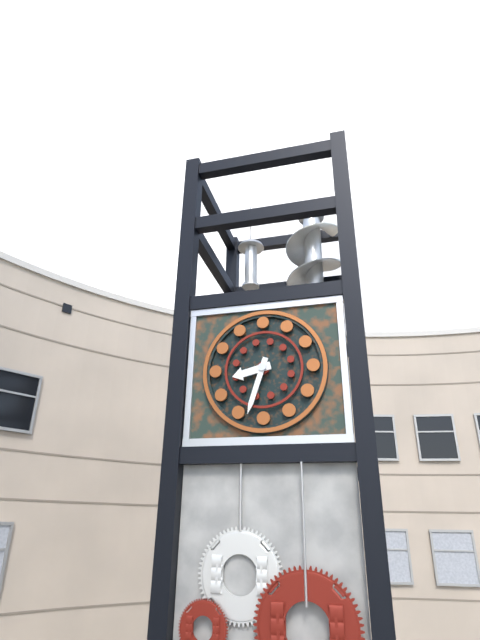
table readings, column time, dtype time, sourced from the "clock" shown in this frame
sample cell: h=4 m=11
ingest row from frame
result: h=8 m=33
